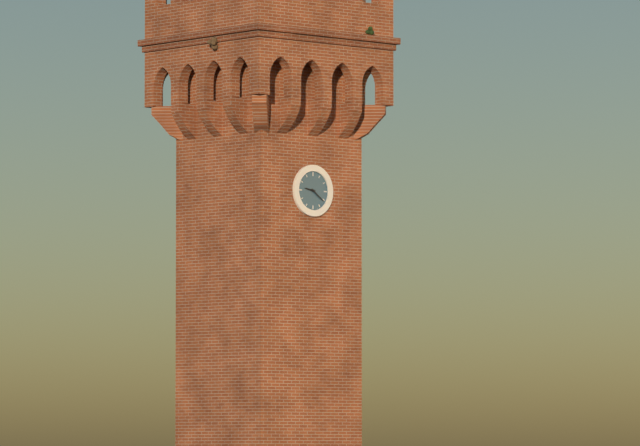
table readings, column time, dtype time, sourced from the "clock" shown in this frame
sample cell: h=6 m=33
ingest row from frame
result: h=9 m=21
